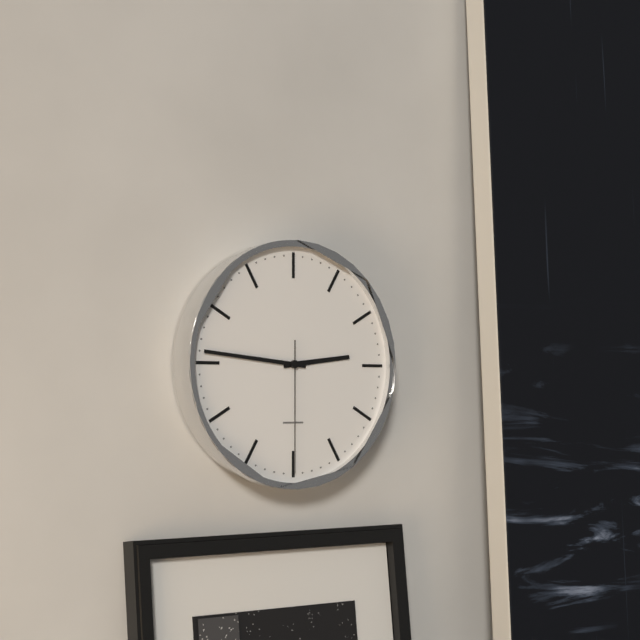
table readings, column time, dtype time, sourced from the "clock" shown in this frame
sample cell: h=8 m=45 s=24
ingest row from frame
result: h=2 m=46 s=30
